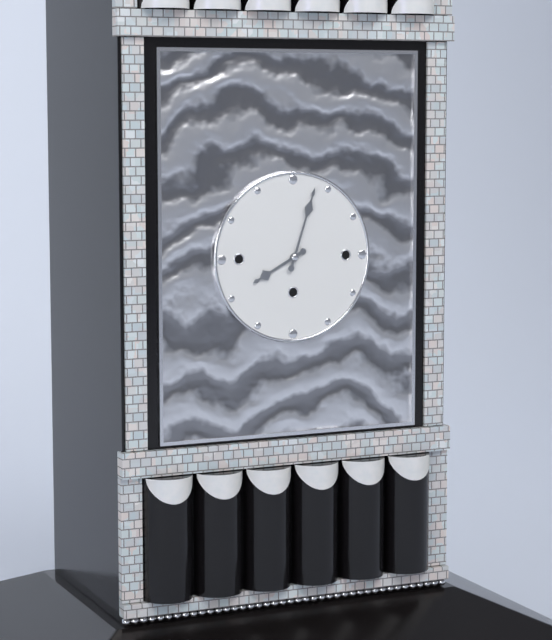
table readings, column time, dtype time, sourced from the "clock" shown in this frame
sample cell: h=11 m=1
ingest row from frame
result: h=8 m=3
